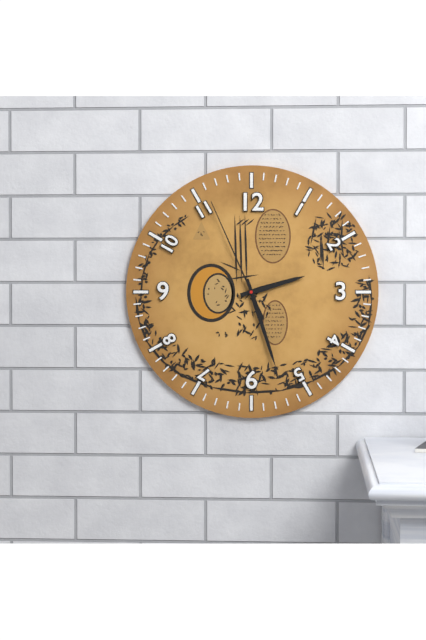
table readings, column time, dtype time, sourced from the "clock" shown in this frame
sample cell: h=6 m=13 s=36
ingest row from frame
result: h=2 m=27 s=56
